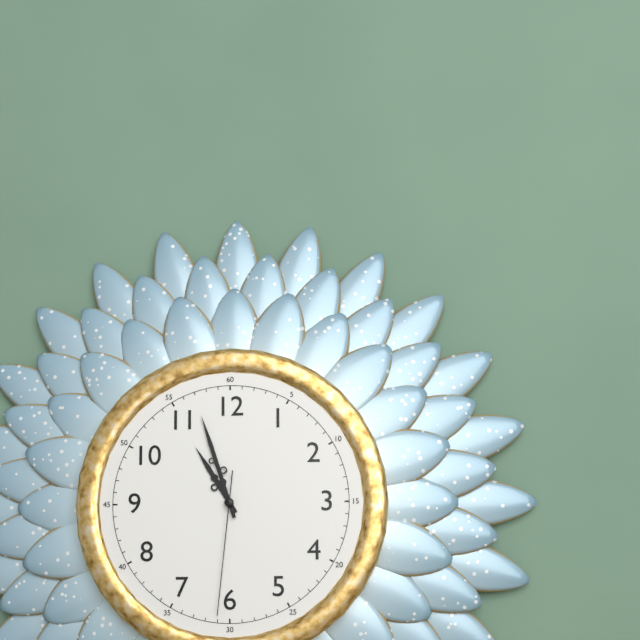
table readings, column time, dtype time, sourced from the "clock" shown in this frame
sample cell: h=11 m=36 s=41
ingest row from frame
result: h=10 m=57 s=31
